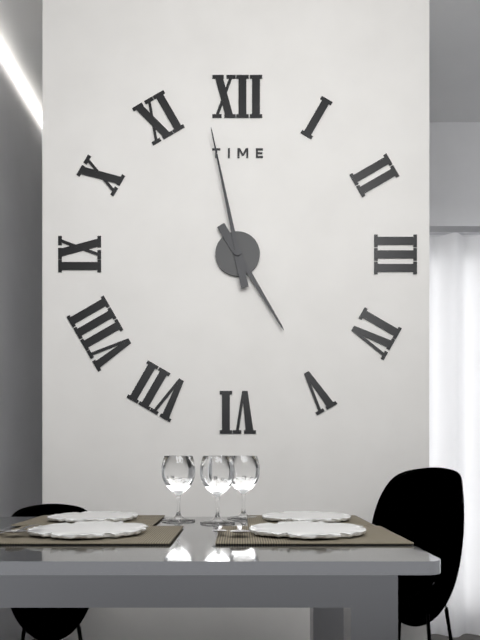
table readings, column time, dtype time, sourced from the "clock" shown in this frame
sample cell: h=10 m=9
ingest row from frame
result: h=4 m=58
